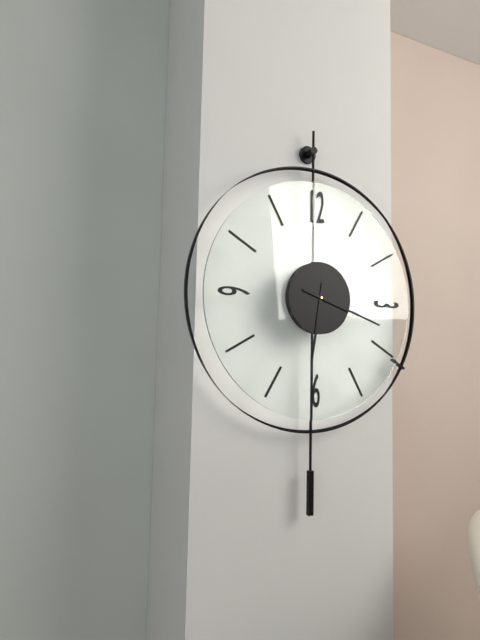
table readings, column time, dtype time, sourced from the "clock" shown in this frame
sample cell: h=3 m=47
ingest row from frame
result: h=6 m=18
